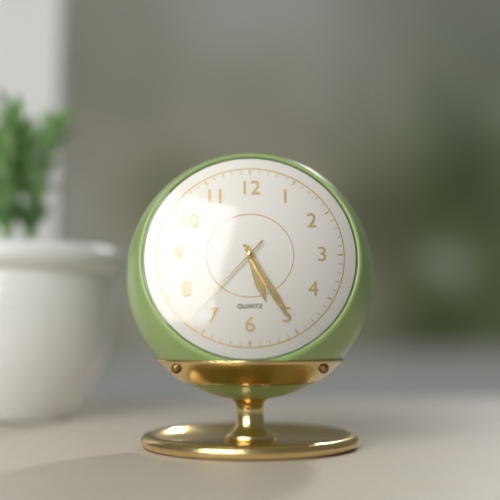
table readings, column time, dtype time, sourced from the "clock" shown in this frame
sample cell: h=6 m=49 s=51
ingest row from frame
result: h=5 m=25 s=37
